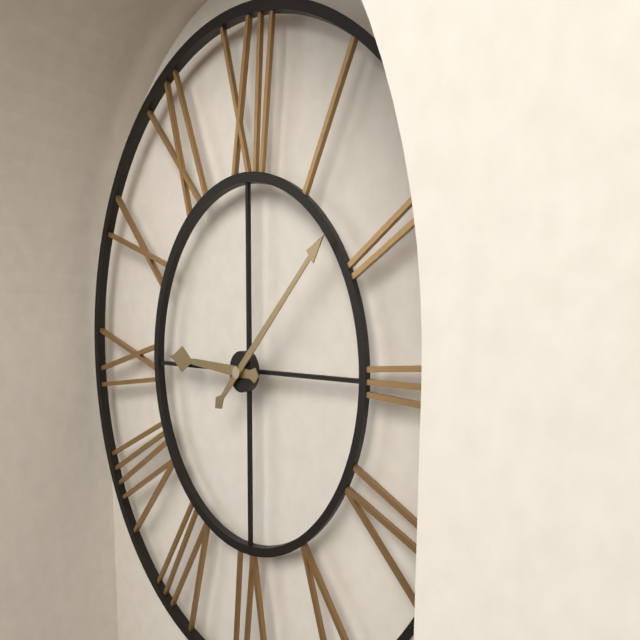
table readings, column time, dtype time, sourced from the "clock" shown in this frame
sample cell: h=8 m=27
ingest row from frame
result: h=9 m=8
